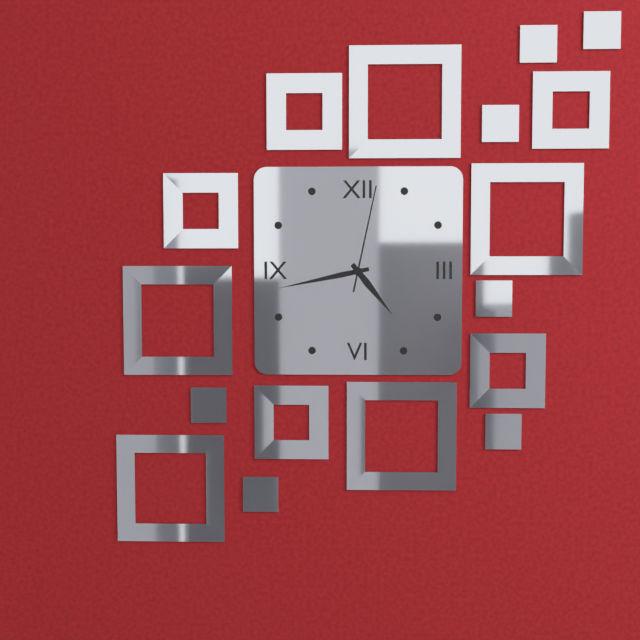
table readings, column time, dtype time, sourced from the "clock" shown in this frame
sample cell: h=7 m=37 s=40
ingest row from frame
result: h=4 m=43 s=2
